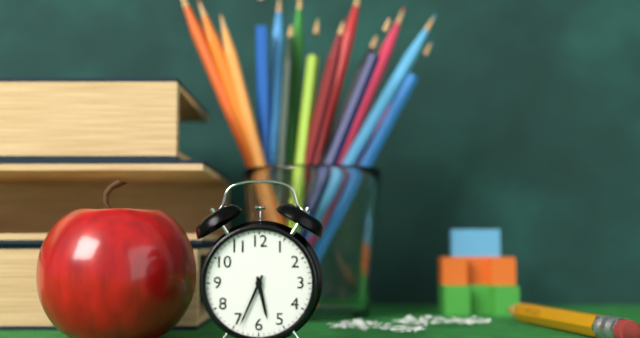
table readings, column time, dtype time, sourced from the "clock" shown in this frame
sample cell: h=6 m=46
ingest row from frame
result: h=5 m=34
